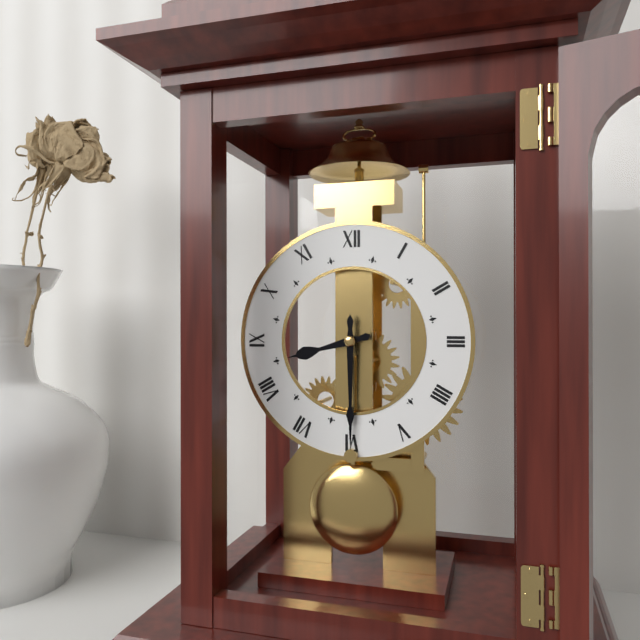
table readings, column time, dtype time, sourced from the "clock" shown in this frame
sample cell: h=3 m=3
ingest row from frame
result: h=8 m=30
